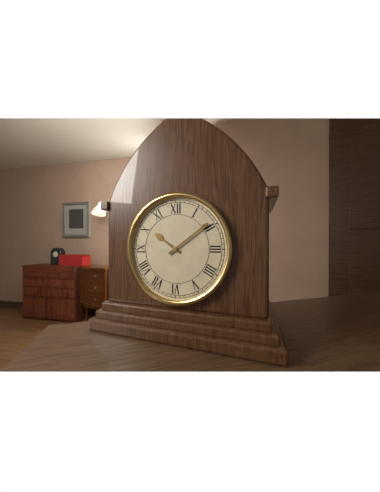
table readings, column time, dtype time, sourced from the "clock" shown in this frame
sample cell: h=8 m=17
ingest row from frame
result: h=10 m=9
